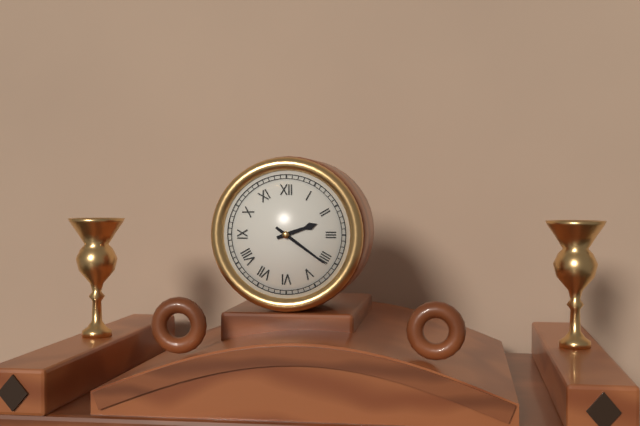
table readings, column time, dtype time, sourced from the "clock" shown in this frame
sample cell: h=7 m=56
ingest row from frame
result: h=2 m=21
